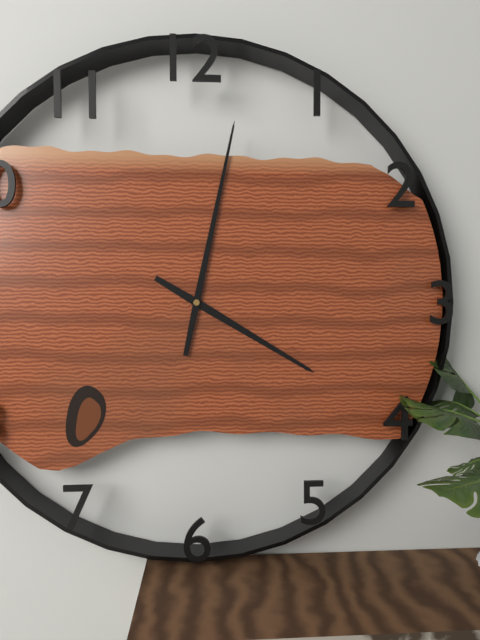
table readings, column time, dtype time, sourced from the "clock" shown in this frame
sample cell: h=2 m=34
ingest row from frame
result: h=4 m=2
